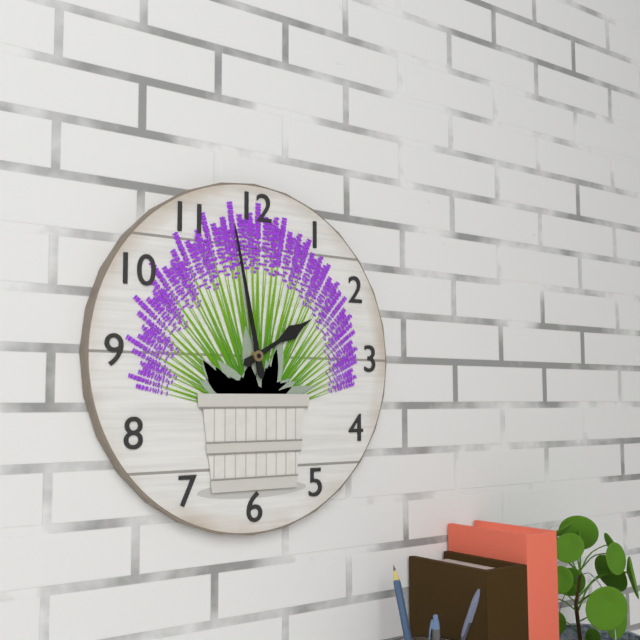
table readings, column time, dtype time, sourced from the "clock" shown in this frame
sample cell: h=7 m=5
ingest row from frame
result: h=1 m=58
